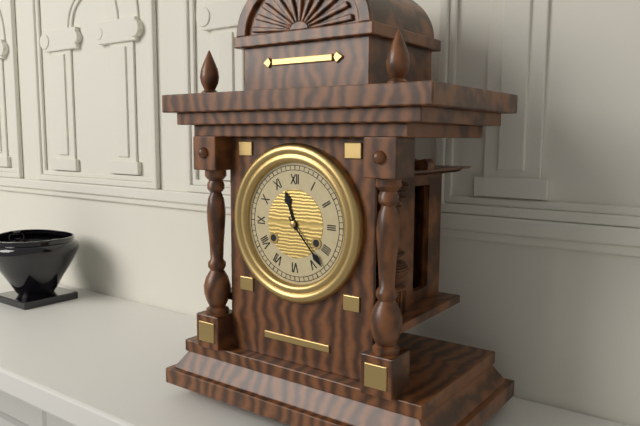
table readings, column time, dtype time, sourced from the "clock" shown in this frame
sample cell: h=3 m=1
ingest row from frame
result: h=11 m=23
